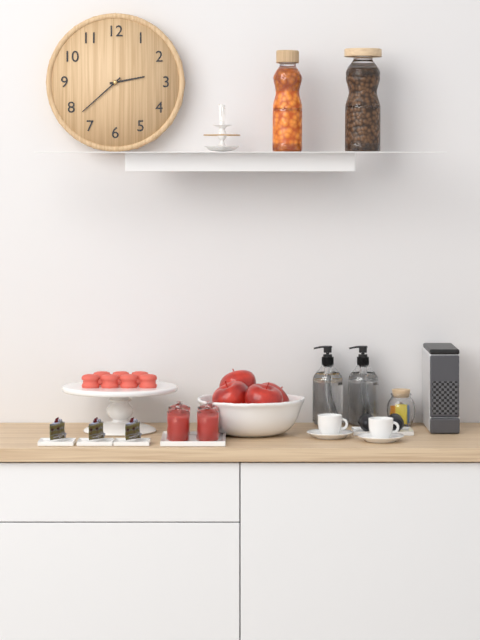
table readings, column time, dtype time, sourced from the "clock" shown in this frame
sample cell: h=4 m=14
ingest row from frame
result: h=2 m=38
